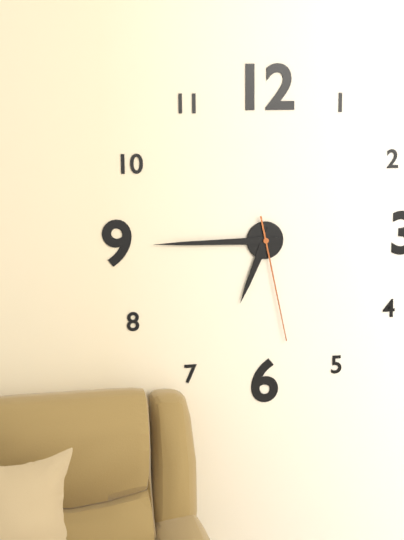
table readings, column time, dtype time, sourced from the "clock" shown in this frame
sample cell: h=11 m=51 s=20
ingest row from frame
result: h=6 m=45 s=28
